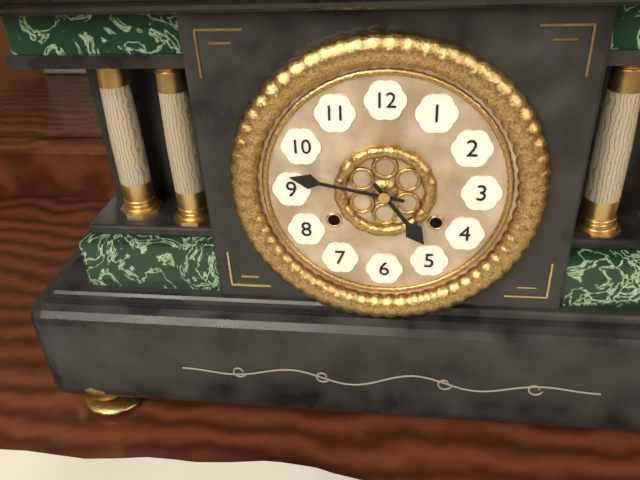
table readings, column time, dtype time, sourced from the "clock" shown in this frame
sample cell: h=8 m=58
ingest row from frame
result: h=4 m=47
